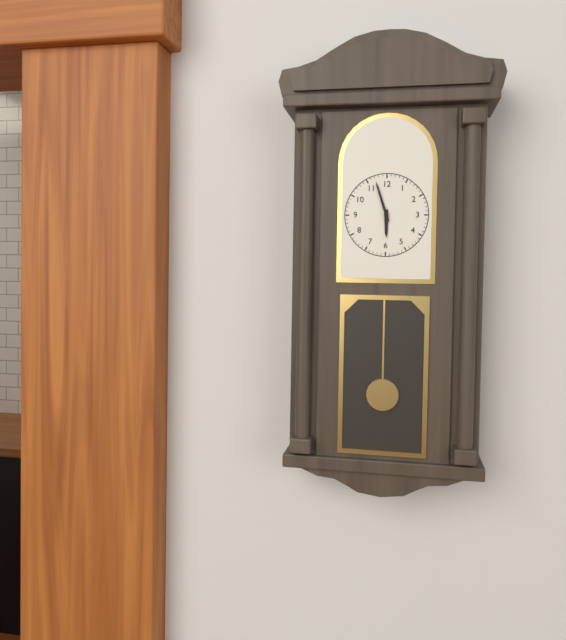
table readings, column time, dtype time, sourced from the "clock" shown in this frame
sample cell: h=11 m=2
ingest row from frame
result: h=5 m=57
